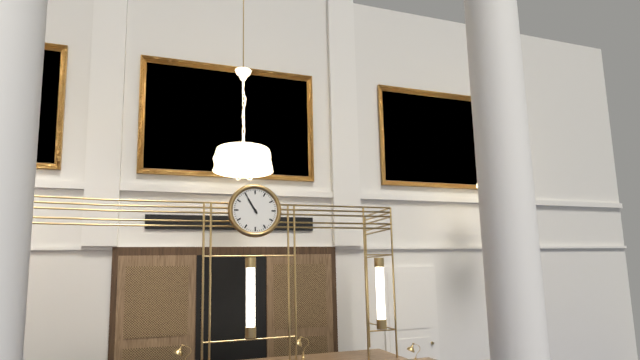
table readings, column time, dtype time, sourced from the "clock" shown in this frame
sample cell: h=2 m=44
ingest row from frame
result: h=10 m=55
